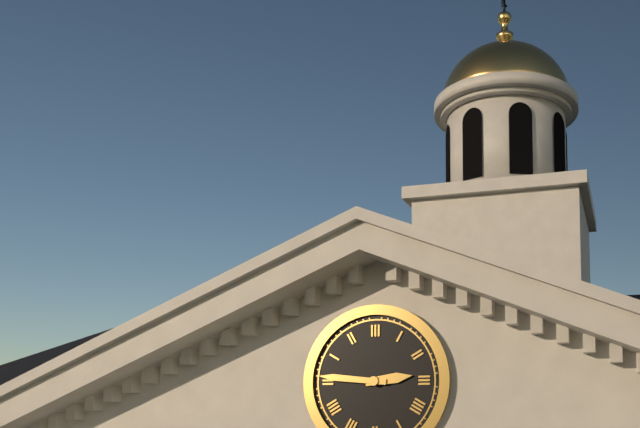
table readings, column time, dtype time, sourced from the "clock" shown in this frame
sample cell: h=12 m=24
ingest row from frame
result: h=2 m=46
